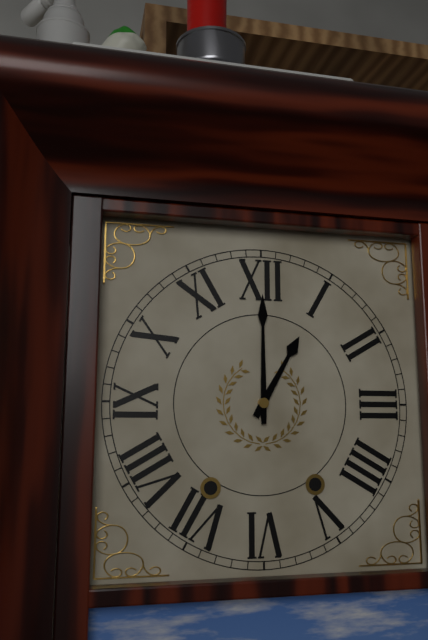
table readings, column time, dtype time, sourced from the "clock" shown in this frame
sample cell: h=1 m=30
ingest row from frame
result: h=1 m=0
